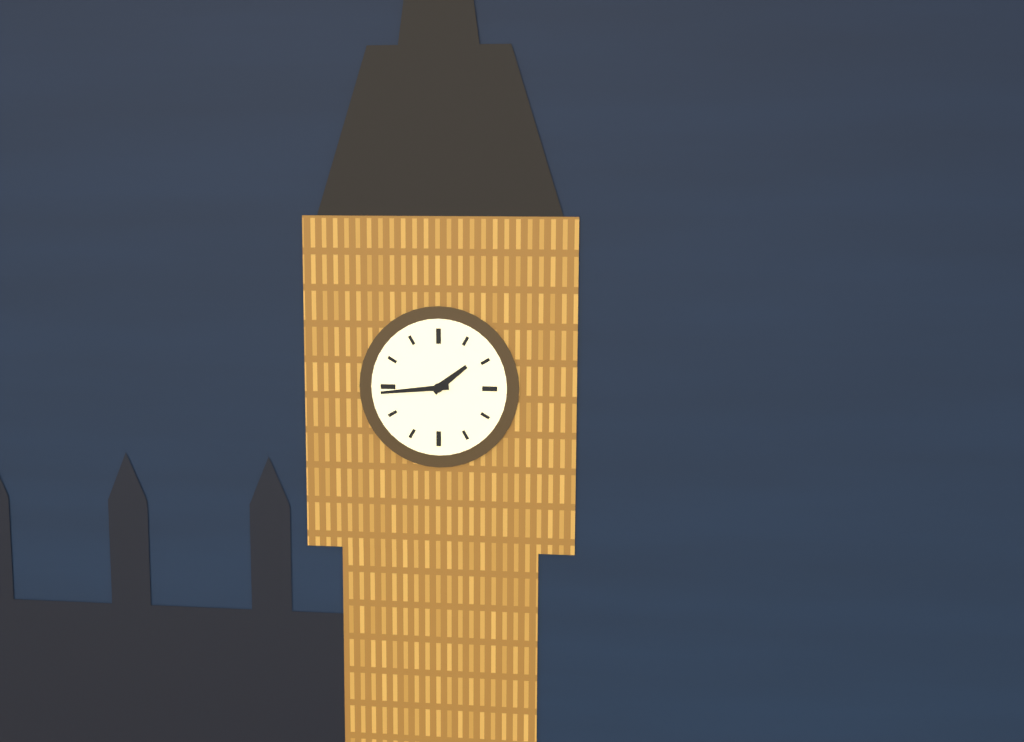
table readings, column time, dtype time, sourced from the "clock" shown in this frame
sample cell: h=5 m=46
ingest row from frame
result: h=1 m=44
